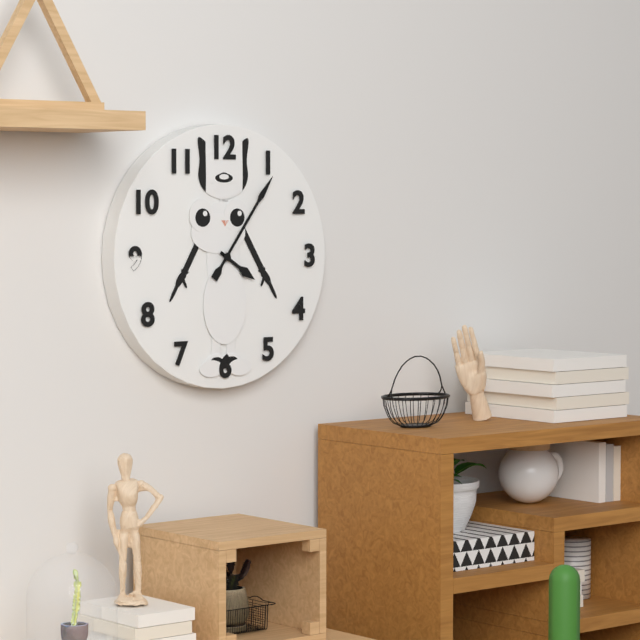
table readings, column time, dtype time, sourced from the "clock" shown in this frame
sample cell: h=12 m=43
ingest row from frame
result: h=4 m=6
